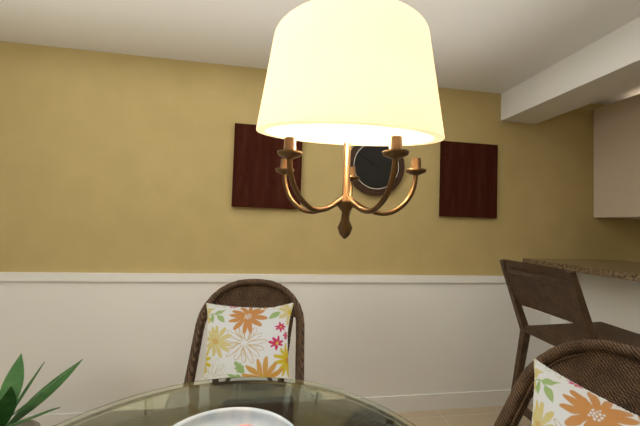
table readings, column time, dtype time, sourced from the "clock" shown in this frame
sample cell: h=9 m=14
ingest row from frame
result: h=2 m=50
